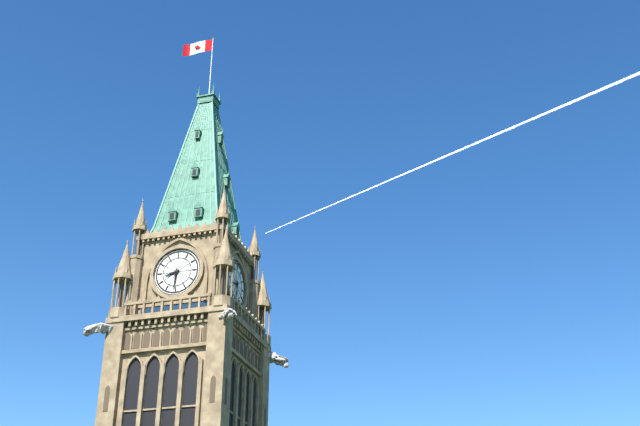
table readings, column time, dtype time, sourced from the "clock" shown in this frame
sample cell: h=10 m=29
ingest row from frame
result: h=8 m=31
